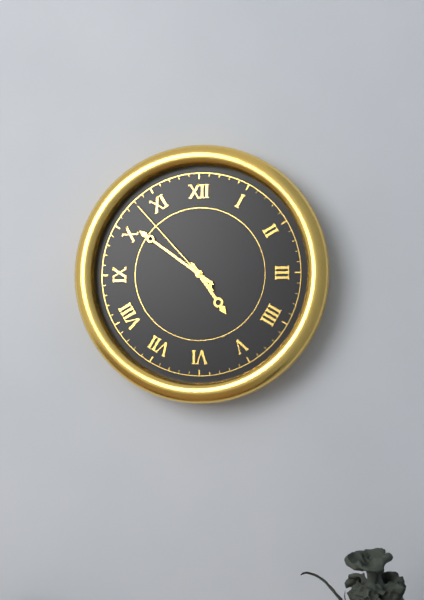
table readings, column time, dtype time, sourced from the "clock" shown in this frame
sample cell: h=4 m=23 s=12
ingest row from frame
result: h=4 m=51 s=53
